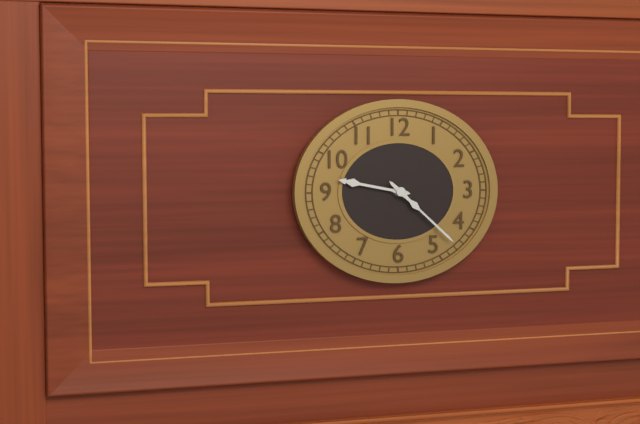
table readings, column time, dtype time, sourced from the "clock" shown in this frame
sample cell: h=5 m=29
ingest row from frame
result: h=9 m=22
